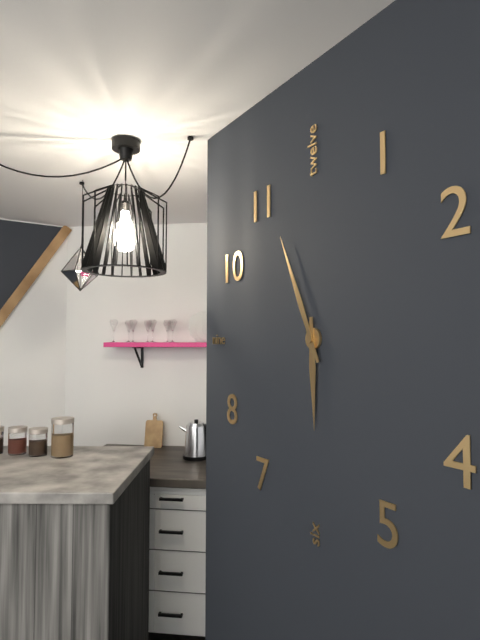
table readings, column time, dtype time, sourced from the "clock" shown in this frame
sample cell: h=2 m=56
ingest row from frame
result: h=5 m=56
